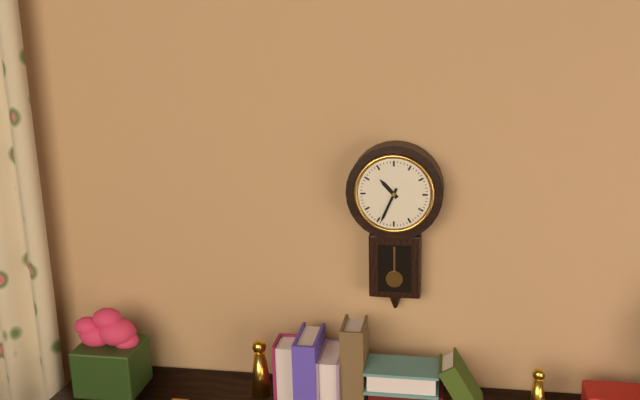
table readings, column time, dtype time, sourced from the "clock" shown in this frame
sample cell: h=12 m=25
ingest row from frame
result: h=10 m=34
